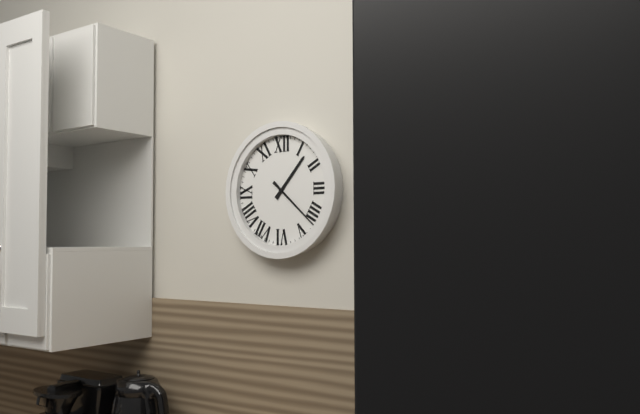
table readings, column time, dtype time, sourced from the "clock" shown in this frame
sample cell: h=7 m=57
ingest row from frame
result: h=1 m=22
